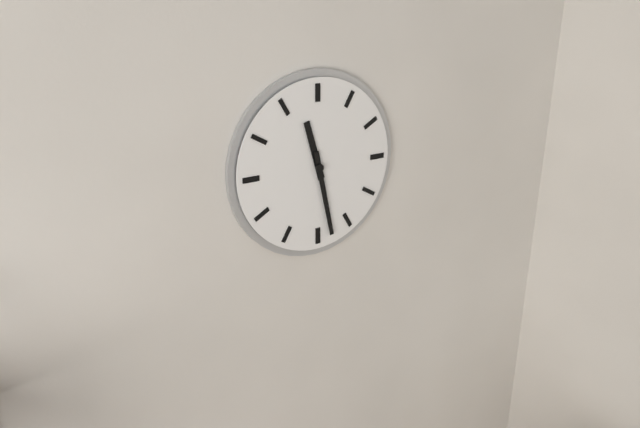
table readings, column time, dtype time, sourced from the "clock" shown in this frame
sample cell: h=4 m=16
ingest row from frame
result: h=11 m=28
